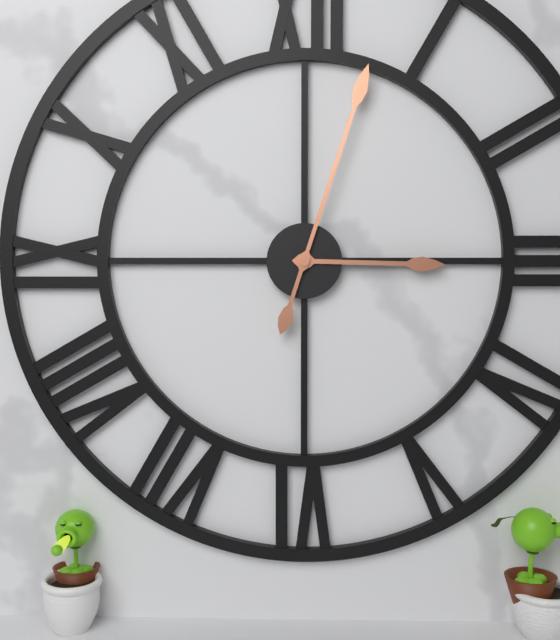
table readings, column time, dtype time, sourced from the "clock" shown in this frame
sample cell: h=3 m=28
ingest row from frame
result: h=3 m=3
